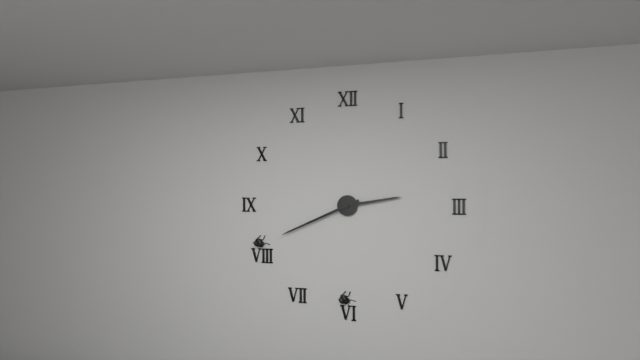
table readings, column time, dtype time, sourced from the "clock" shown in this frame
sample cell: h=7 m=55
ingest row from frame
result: h=2 m=41
